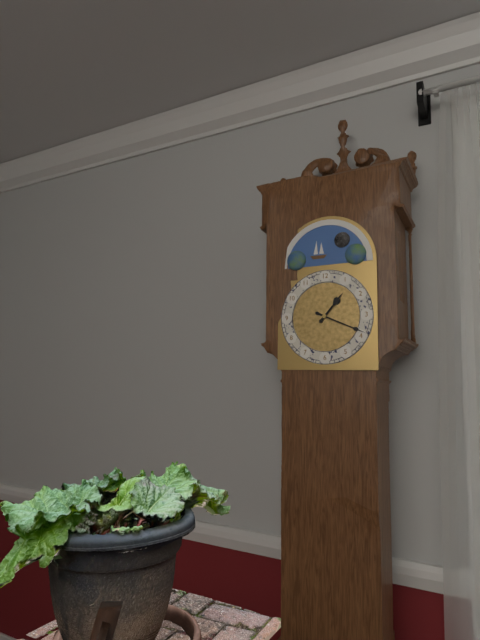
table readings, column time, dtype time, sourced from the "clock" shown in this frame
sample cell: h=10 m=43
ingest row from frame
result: h=1 m=19
